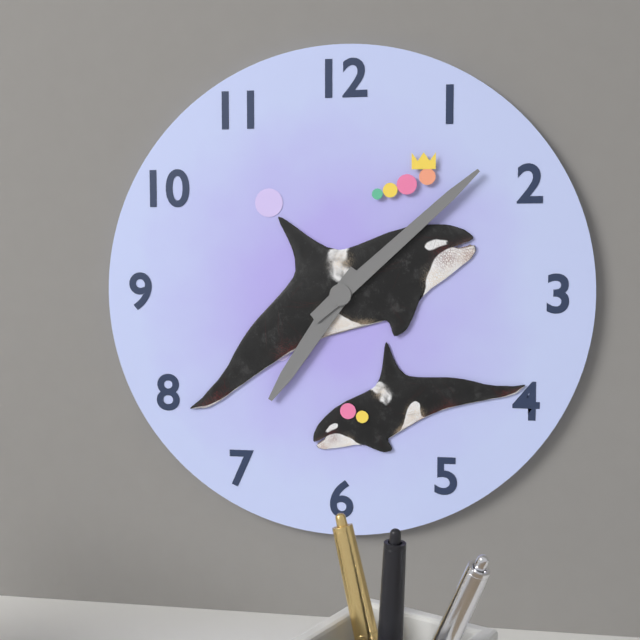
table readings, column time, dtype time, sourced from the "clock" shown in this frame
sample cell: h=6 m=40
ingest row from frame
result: h=7 m=8
